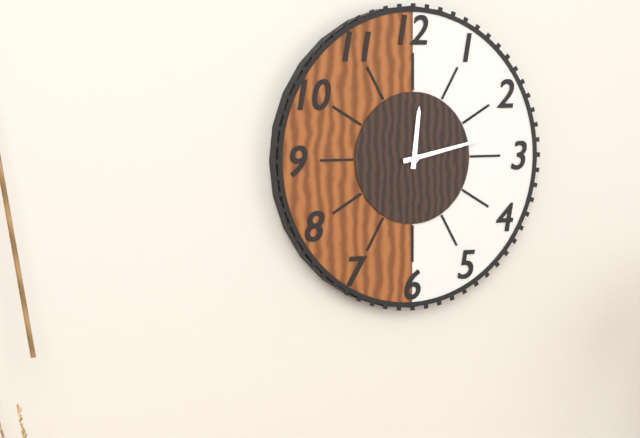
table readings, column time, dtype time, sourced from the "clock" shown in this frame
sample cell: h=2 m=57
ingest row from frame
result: h=12 m=13
